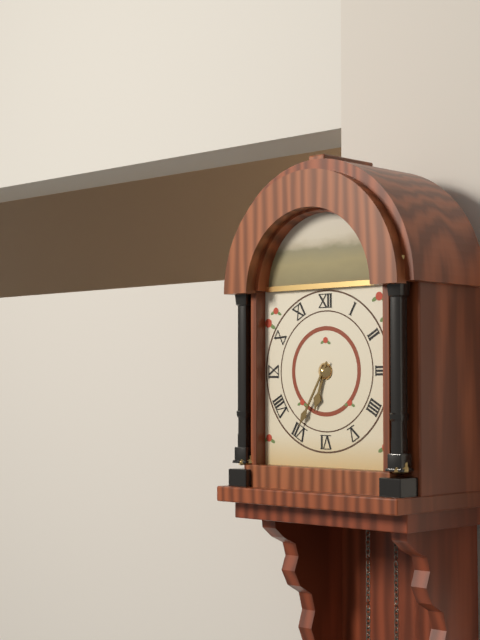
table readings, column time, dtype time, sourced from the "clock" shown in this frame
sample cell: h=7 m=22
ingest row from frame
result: h=6 m=35
